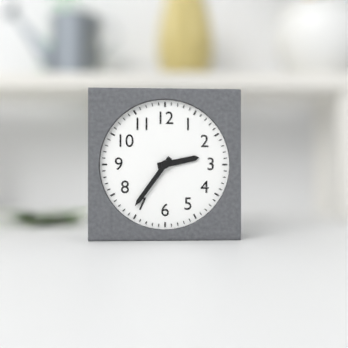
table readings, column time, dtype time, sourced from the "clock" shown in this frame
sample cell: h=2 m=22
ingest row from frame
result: h=2 m=36
